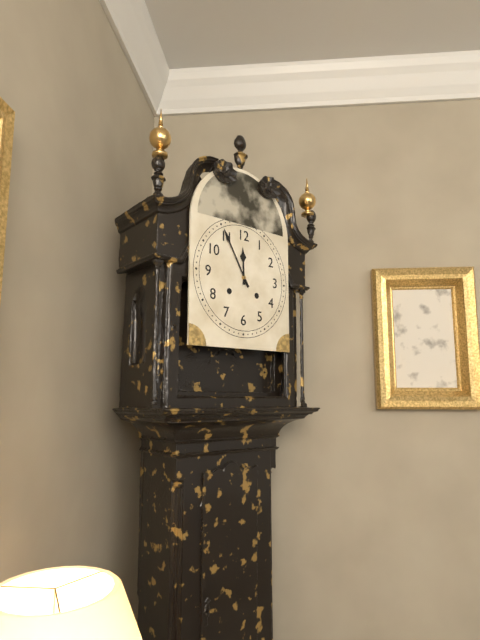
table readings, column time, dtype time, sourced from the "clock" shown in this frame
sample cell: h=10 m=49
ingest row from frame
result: h=11 m=55
